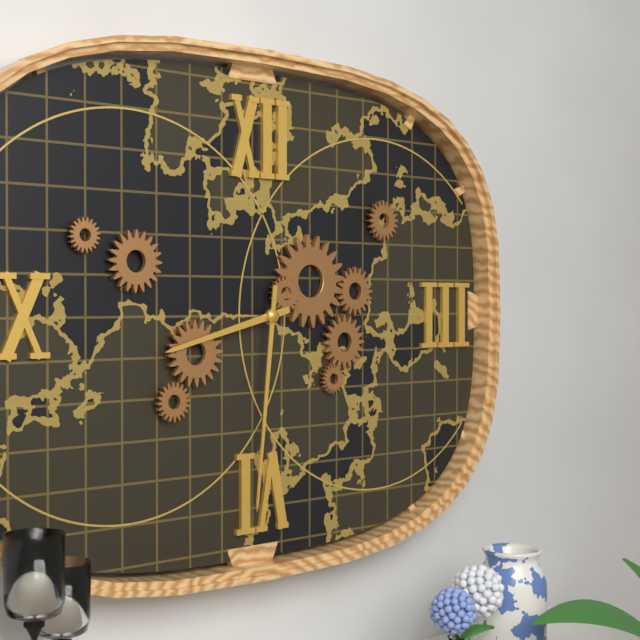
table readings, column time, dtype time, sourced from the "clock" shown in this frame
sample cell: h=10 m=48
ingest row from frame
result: h=8 m=31
